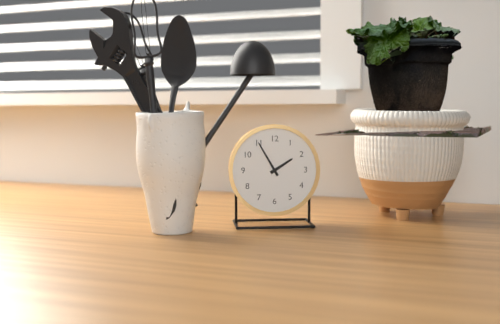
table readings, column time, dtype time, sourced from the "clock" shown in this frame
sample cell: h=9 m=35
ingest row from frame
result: h=1 m=55
